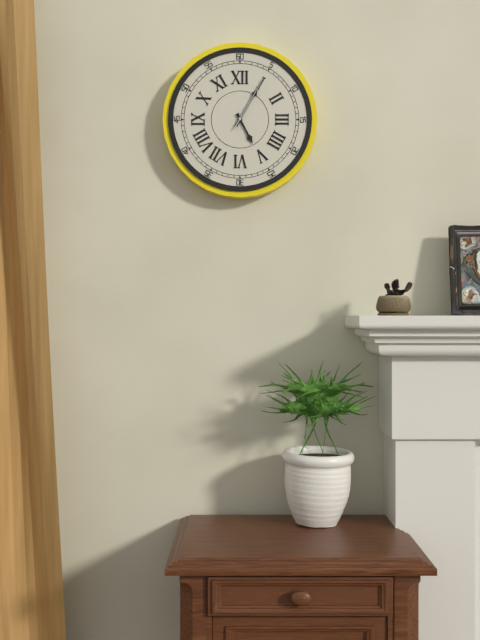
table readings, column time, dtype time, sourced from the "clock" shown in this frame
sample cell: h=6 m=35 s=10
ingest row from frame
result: h=5 m=5 s=5
